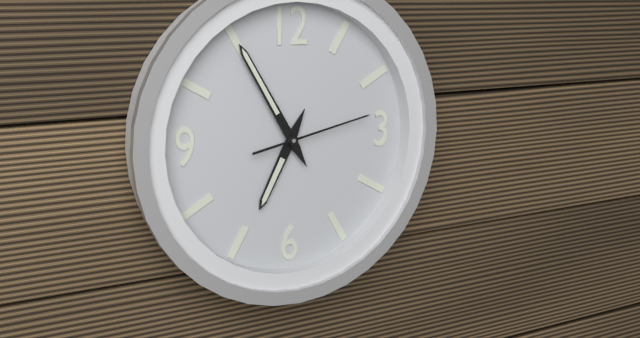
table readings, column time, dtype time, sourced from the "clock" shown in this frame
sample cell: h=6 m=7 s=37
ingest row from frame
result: h=6 m=55 s=13
